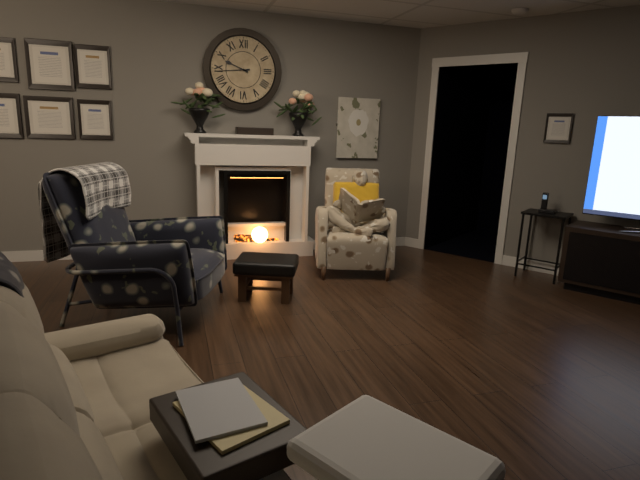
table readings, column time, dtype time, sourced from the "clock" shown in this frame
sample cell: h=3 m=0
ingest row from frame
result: h=9 m=44
